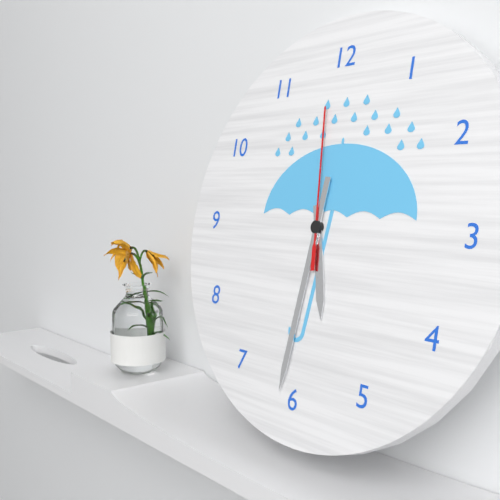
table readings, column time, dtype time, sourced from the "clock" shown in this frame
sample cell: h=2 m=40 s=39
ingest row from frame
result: h=5 m=31 s=59
